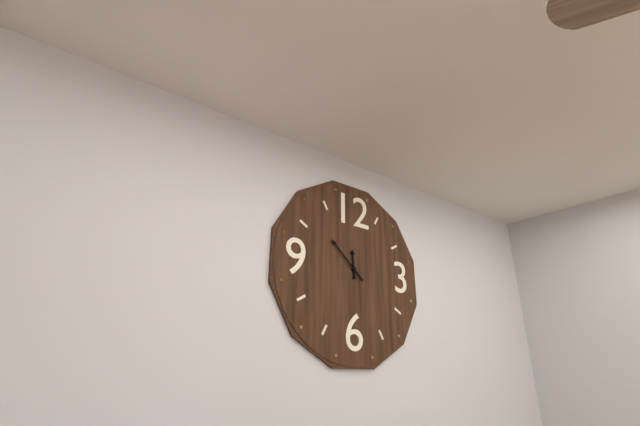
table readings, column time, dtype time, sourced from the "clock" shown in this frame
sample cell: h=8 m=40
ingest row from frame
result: h=11 m=52
